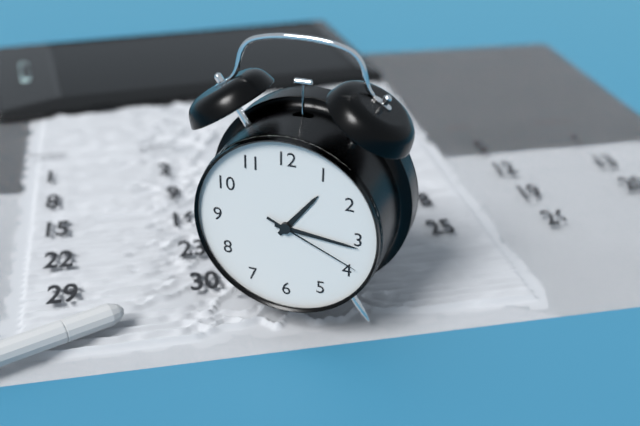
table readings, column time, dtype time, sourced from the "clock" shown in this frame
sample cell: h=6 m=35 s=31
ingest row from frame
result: h=1 m=16 s=19
